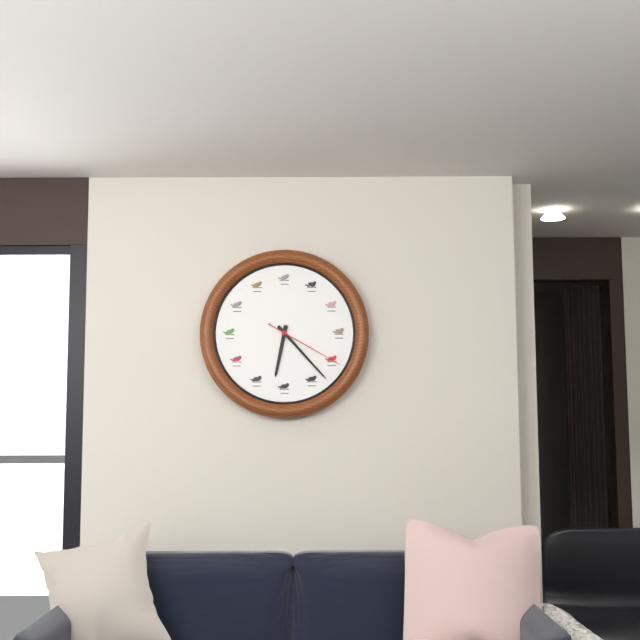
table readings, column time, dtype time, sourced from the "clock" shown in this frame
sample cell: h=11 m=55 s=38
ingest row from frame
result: h=6 m=23 s=20
